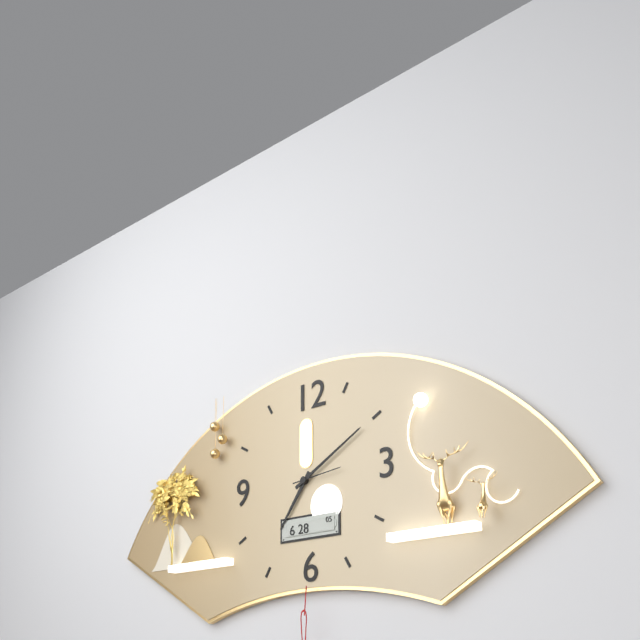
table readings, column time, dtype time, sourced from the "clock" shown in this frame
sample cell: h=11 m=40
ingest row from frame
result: h=7 m=10
